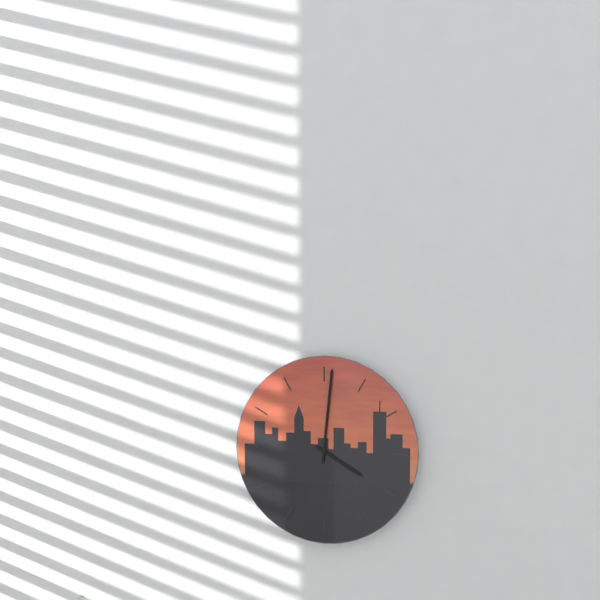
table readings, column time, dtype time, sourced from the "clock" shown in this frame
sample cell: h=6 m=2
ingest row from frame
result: h=4 m=1
